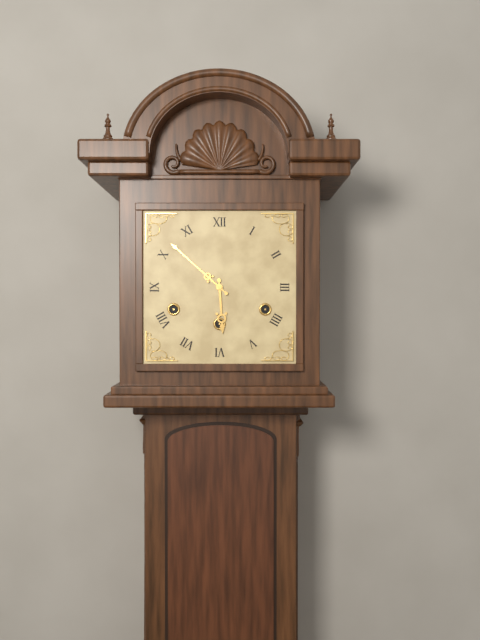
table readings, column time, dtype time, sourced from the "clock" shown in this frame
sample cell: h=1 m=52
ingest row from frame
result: h=5 m=52
